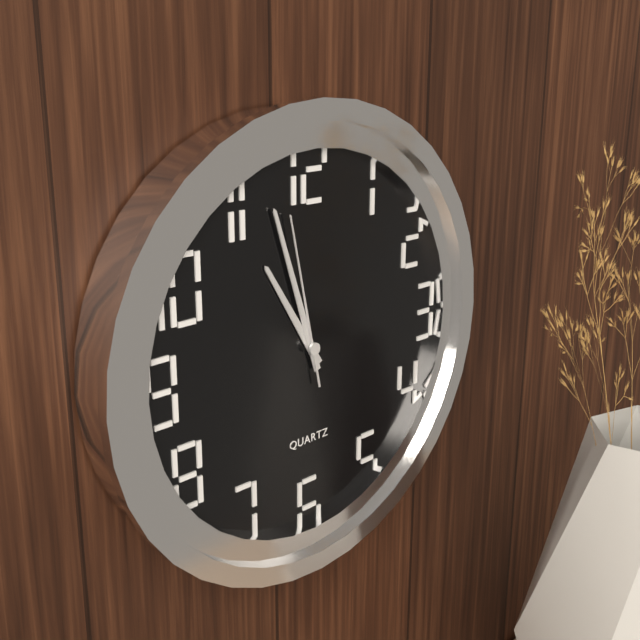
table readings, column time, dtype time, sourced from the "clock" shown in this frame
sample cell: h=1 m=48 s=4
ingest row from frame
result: h=10 m=57 s=58
